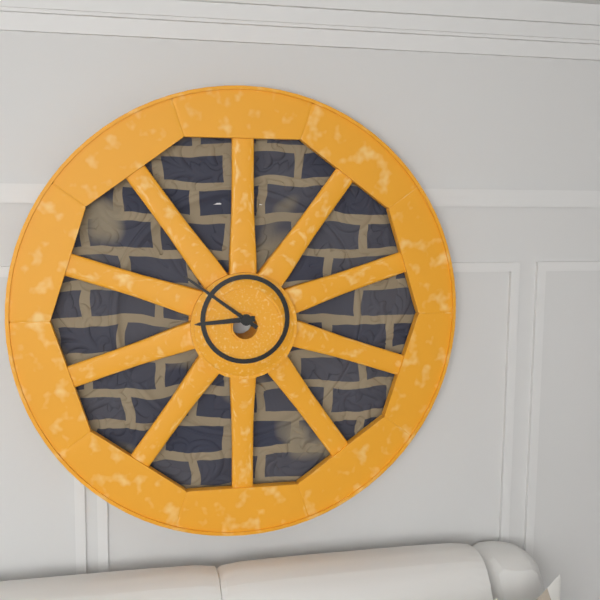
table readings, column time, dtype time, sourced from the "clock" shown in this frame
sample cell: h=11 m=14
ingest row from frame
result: h=8 m=51
